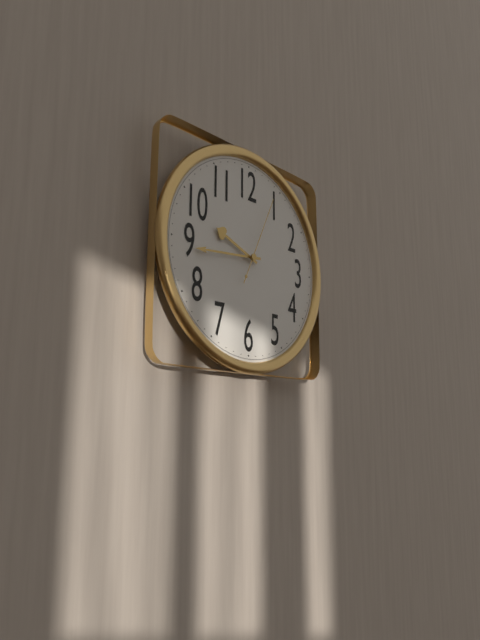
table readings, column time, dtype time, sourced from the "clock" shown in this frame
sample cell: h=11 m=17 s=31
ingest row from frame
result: h=9 m=44 s=4
